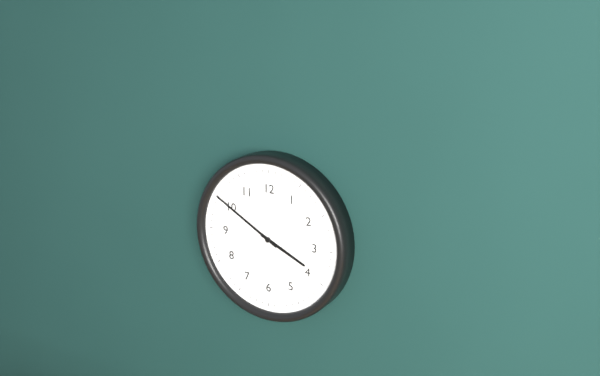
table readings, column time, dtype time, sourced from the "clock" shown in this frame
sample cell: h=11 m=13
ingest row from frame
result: h=3 m=50
